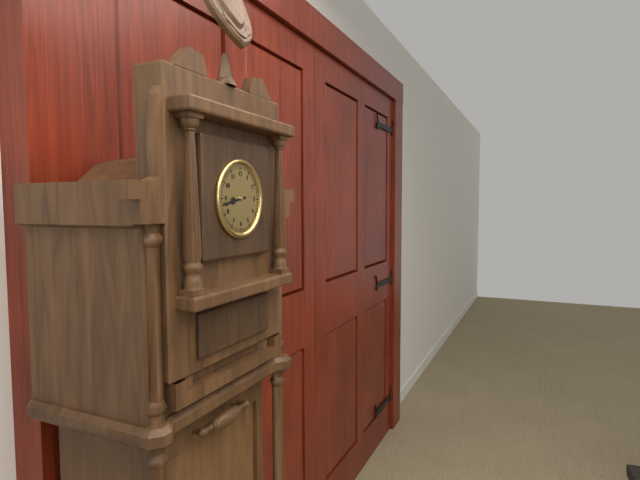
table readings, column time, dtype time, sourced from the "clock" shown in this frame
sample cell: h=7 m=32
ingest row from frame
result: h=8 m=43
